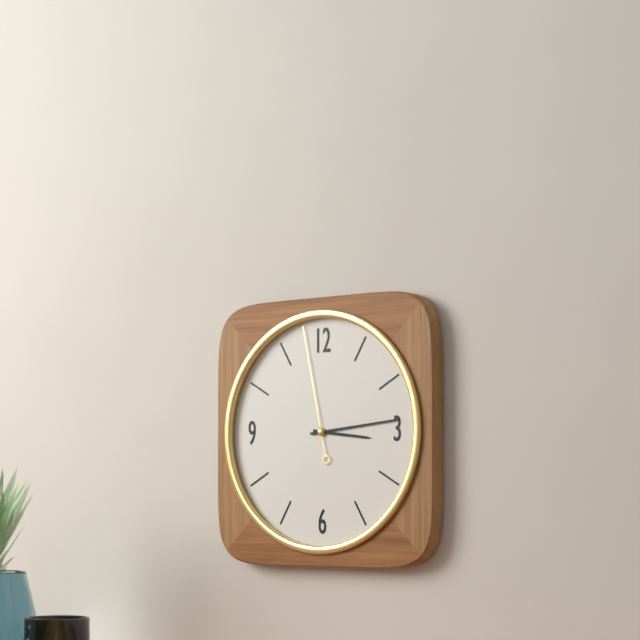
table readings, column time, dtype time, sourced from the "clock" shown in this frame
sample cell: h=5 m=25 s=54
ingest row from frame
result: h=3 m=14 s=58
